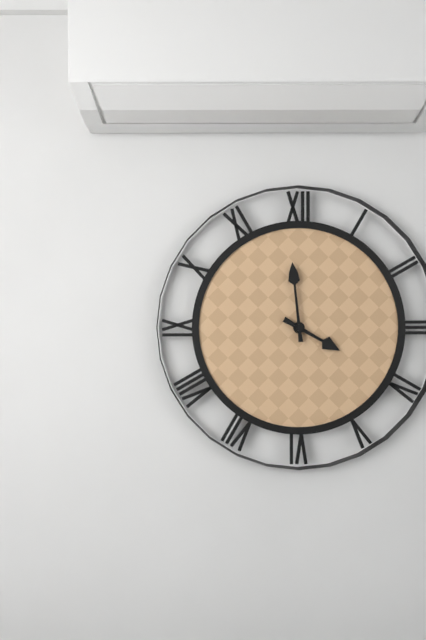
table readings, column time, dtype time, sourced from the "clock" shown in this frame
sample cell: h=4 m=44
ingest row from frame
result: h=3 m=59
